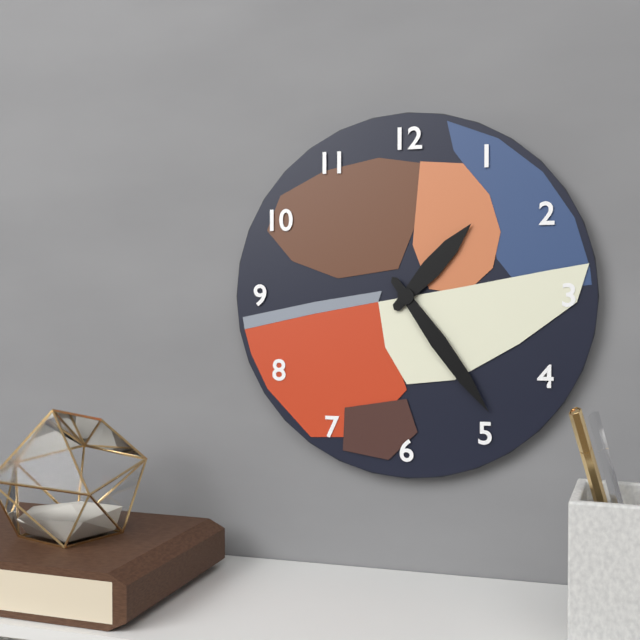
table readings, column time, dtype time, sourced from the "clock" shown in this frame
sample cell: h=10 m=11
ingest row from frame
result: h=1 m=24
